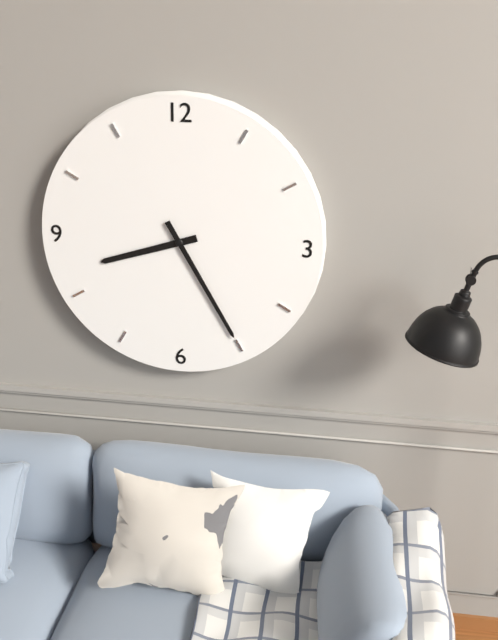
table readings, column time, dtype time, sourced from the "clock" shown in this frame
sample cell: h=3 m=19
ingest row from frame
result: h=8 m=25
